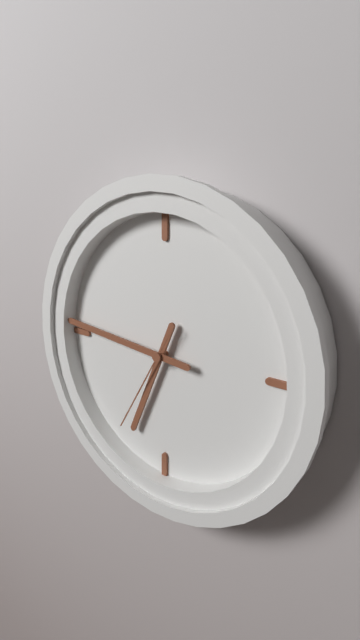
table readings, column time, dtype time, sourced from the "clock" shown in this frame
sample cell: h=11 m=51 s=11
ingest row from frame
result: h=6 m=46 s=35
